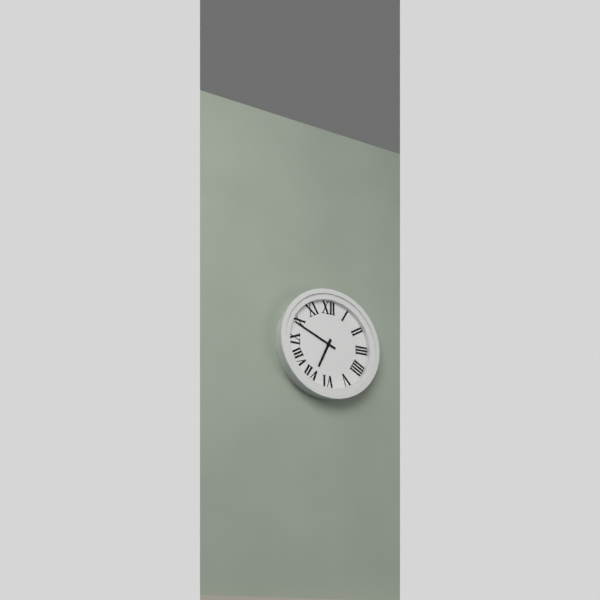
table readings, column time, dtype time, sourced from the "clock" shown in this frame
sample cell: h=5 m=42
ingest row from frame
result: h=6 m=49
